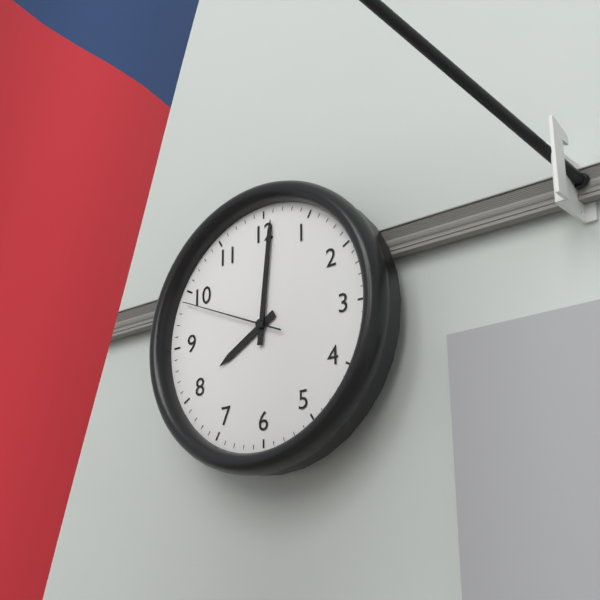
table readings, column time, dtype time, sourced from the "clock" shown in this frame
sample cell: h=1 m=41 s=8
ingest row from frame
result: h=8 m=1 s=49
